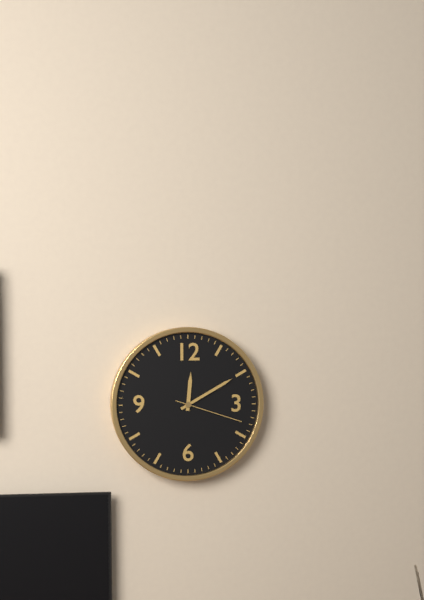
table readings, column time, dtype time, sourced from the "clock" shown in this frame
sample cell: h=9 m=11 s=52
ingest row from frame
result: h=12 m=10 s=18
